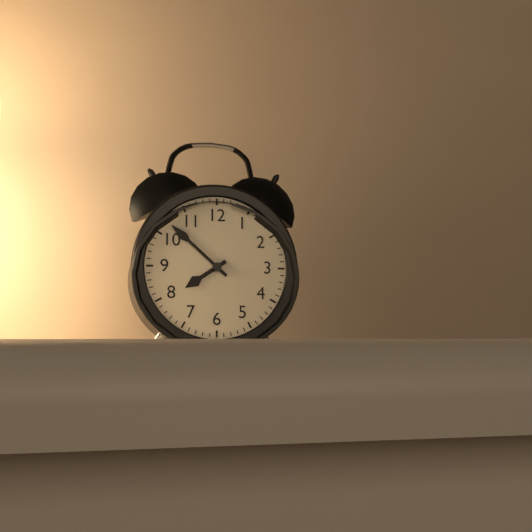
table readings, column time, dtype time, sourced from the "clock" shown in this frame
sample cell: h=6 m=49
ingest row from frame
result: h=7 m=52
